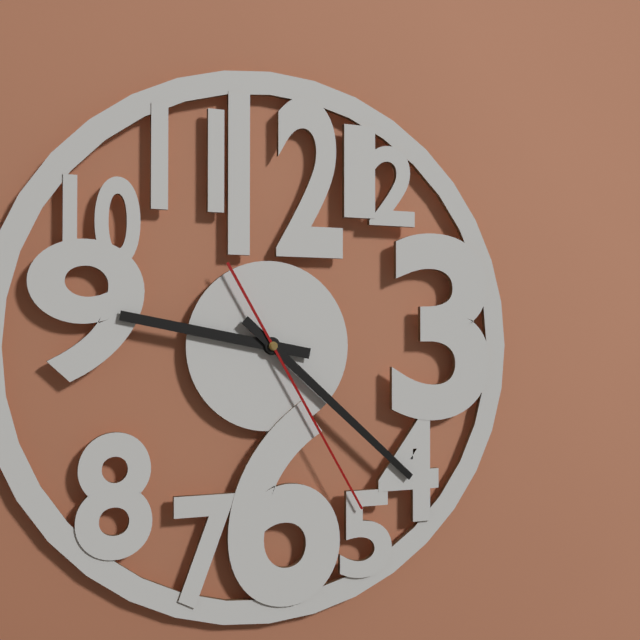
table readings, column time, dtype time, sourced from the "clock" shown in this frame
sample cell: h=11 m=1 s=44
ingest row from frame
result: h=9 m=22 s=25
